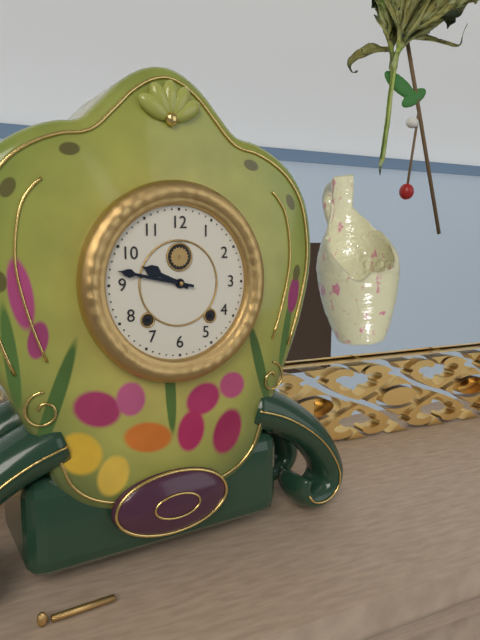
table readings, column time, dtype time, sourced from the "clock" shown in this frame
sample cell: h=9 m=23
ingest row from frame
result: h=9 m=47
